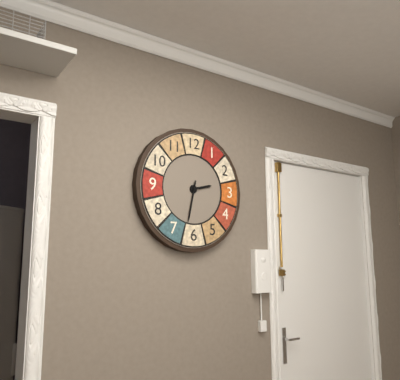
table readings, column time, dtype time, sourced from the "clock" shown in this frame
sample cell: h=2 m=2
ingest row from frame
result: h=2 m=32
